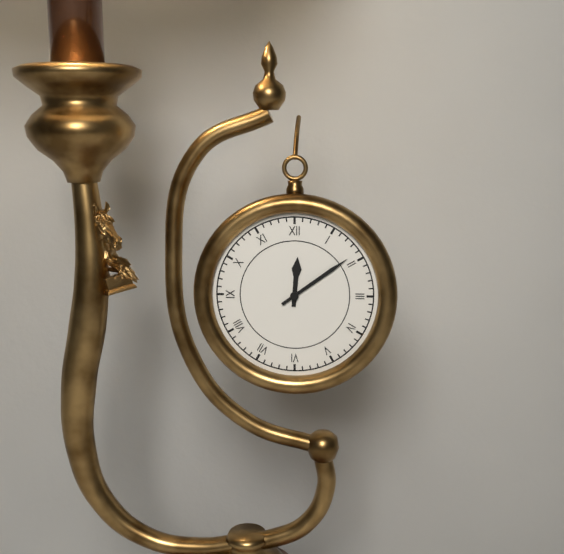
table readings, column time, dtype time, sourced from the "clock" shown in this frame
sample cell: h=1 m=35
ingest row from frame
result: h=12 m=9
